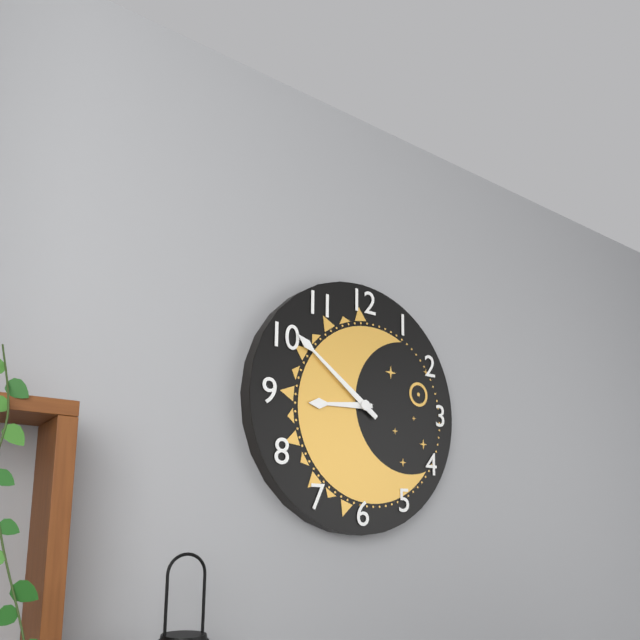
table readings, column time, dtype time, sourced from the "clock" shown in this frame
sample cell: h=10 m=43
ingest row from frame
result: h=8 m=51
